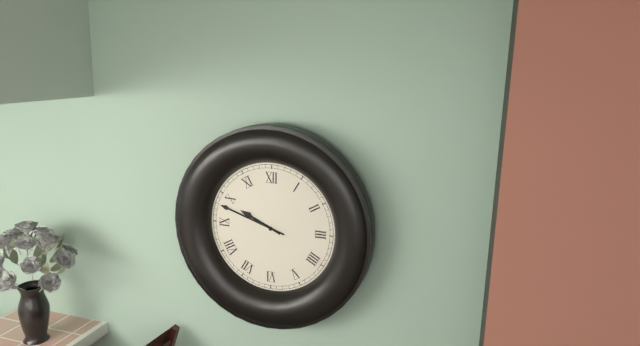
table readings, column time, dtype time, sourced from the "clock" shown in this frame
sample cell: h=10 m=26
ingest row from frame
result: h=9 m=48
